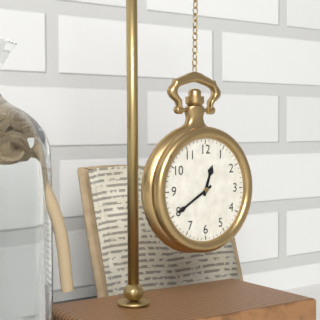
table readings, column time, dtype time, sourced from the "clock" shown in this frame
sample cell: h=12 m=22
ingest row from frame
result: h=12 m=40
